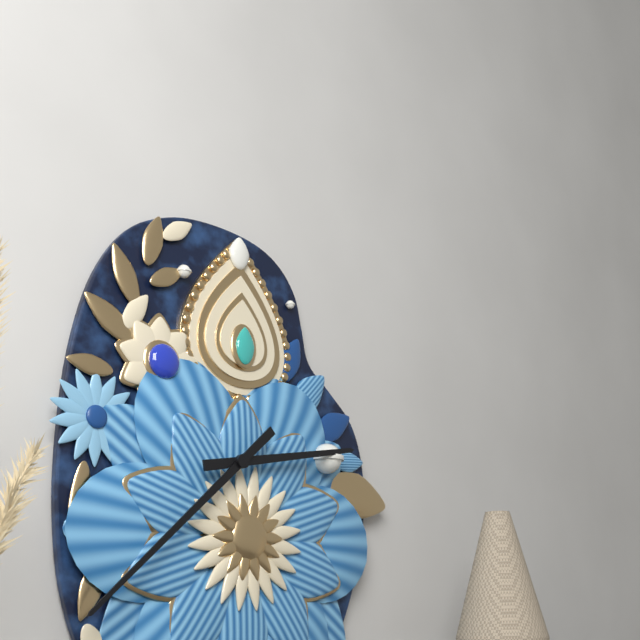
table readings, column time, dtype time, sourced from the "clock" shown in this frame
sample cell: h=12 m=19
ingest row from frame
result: h=2 m=38
